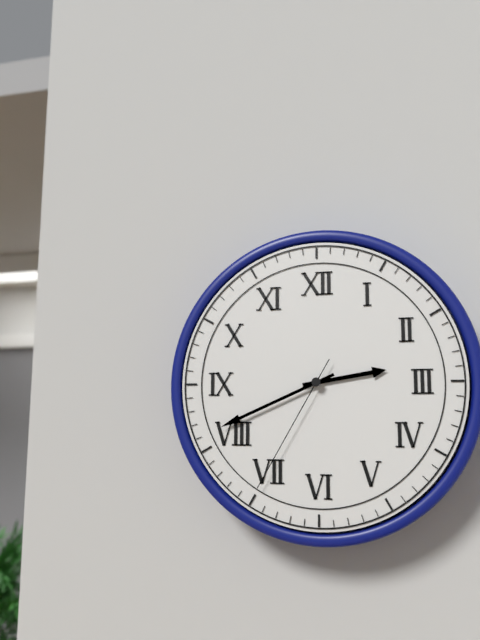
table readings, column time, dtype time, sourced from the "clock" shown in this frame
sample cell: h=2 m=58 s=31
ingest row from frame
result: h=2 m=41 s=35
